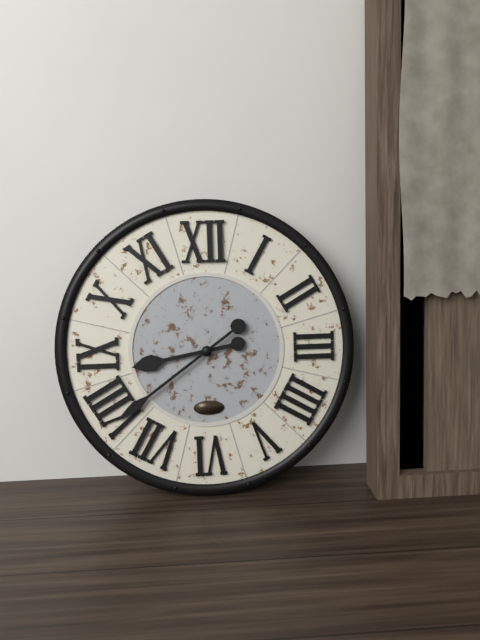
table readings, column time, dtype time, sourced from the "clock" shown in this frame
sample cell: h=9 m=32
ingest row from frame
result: h=8 m=39
